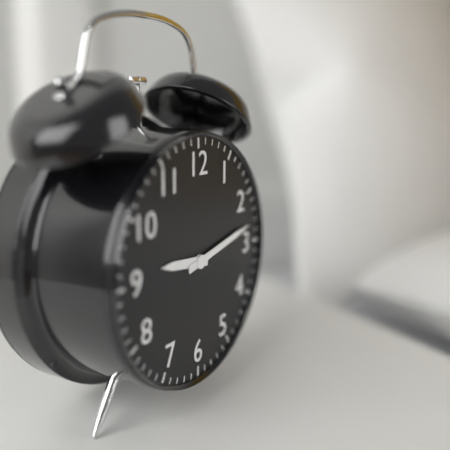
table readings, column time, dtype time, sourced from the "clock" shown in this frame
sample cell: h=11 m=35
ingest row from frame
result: h=9 m=13
